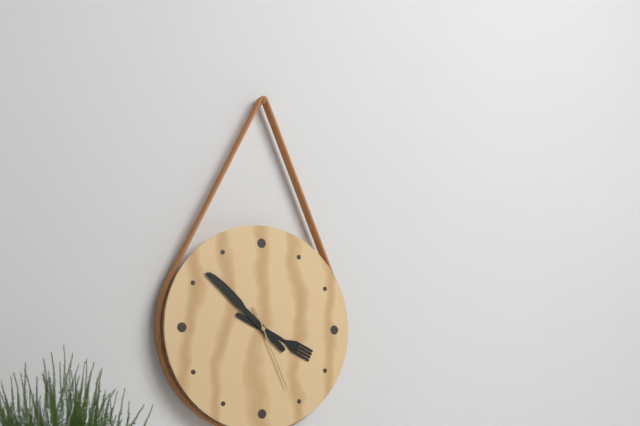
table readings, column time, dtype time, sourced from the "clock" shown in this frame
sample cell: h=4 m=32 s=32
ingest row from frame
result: h=3 m=52 s=26
